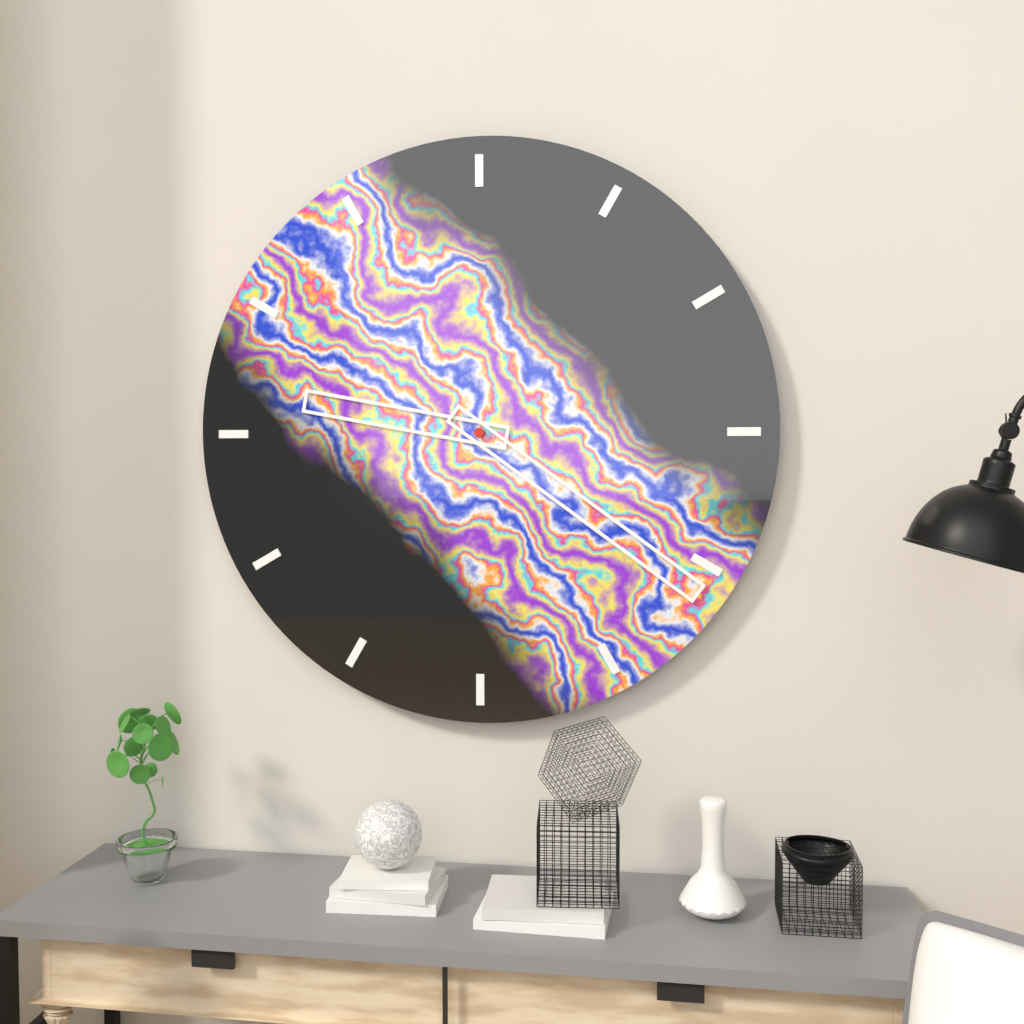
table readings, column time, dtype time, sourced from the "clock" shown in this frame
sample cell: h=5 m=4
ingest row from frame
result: h=9 m=21
